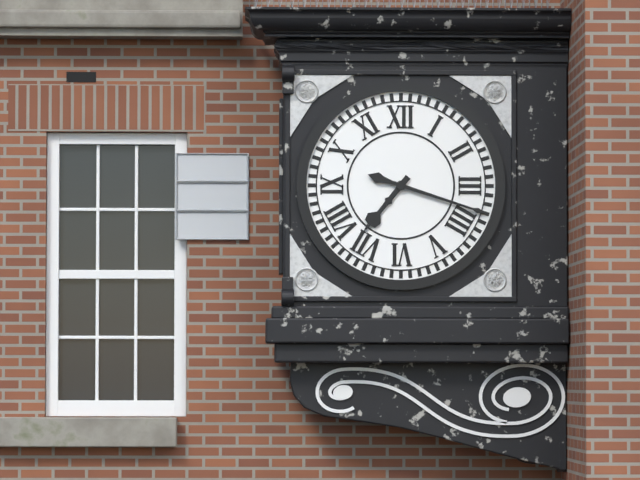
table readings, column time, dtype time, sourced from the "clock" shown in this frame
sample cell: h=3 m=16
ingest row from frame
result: h=7 m=18
